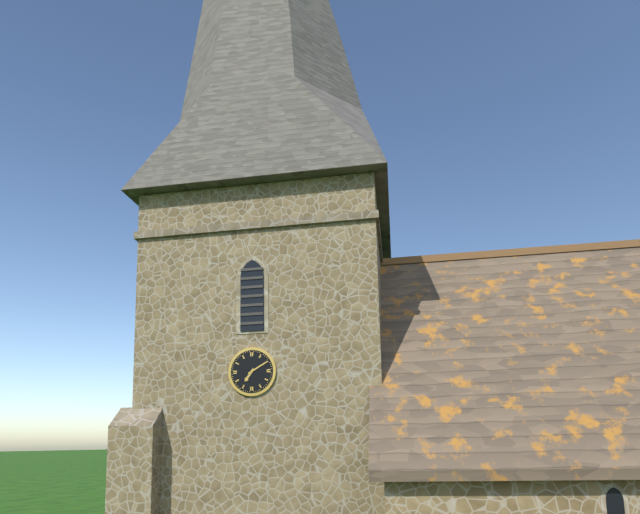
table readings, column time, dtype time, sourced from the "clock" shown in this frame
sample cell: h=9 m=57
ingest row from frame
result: h=7 m=10
